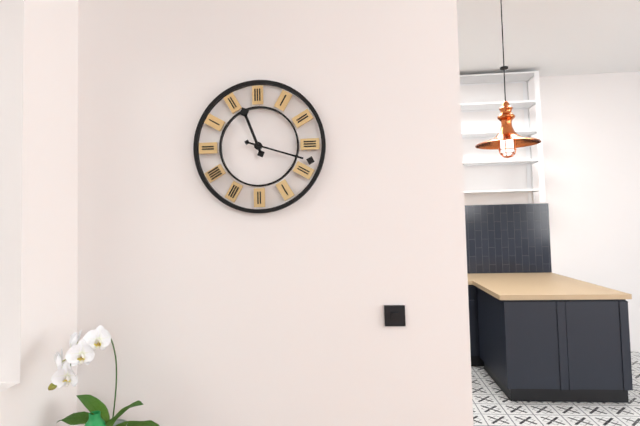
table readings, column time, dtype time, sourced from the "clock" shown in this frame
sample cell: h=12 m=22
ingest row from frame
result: h=11 m=18
